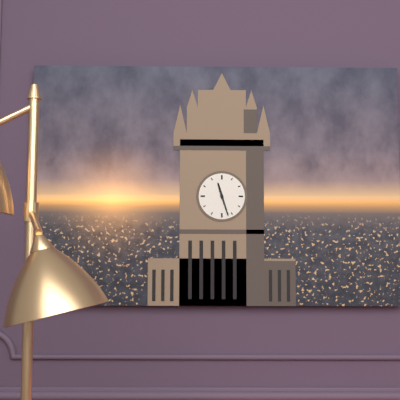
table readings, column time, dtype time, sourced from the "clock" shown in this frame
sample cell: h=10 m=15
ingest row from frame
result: h=11 m=27
